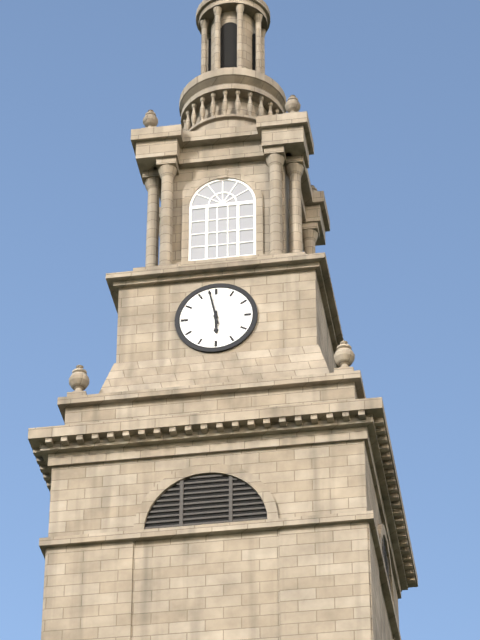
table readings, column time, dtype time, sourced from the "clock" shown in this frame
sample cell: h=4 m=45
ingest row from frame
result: h=5 m=58
